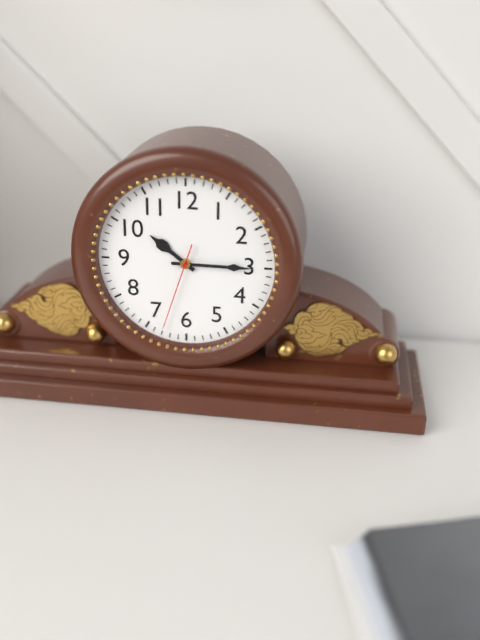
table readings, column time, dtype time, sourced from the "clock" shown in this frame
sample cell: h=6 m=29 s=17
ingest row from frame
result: h=10 m=15 s=33
